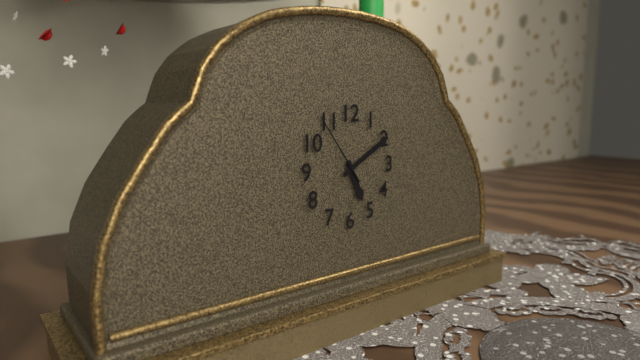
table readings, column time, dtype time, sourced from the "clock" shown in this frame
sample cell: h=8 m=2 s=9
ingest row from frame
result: h=5 m=10 s=54
